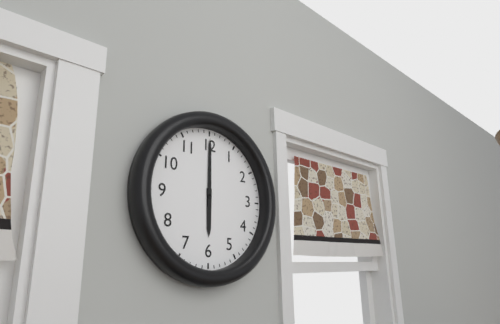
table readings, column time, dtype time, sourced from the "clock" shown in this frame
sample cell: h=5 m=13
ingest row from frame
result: h=6 m=0
